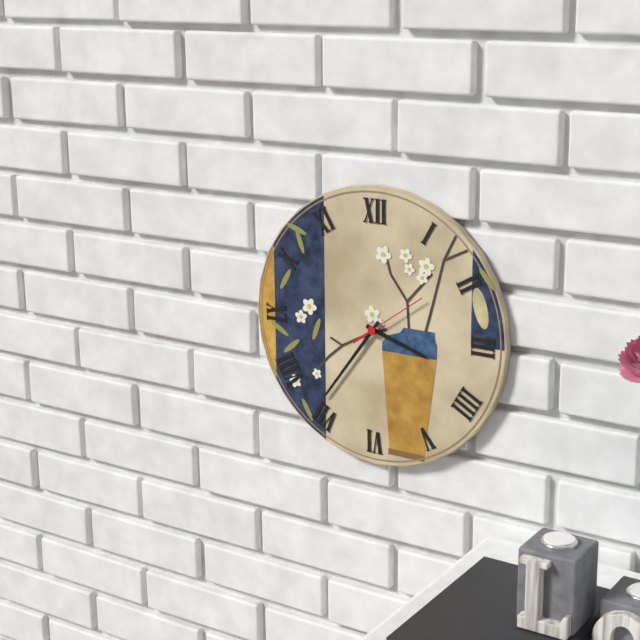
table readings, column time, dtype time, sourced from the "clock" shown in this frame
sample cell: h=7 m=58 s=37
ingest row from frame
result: h=3 m=36 s=9
